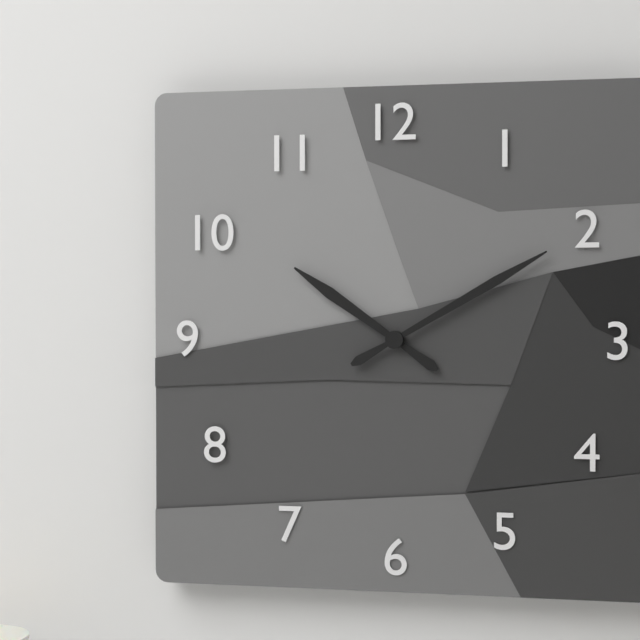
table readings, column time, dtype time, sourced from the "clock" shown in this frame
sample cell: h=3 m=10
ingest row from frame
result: h=10 m=10
